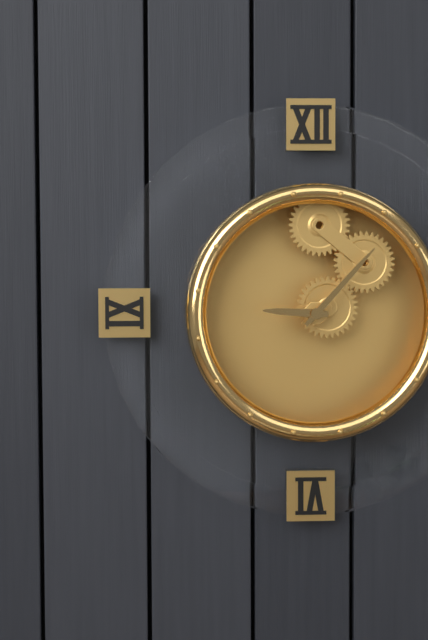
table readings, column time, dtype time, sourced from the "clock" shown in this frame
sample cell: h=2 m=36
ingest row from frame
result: h=9 m=7
